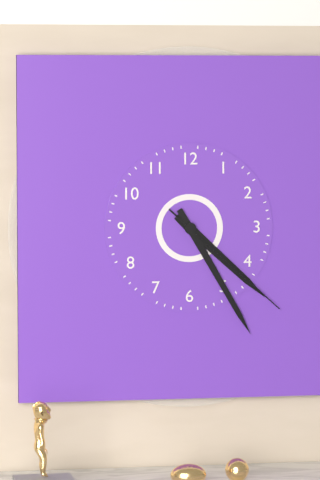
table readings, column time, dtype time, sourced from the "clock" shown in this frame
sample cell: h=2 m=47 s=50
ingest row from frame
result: h=4 m=25 s=22
